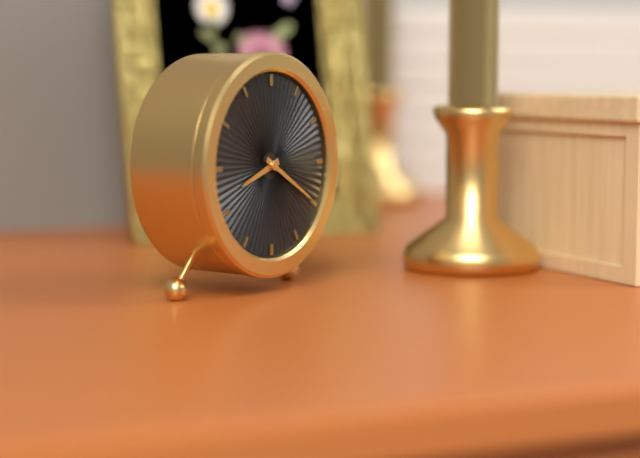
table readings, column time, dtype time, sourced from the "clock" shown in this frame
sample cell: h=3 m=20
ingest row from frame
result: h=8 m=20
